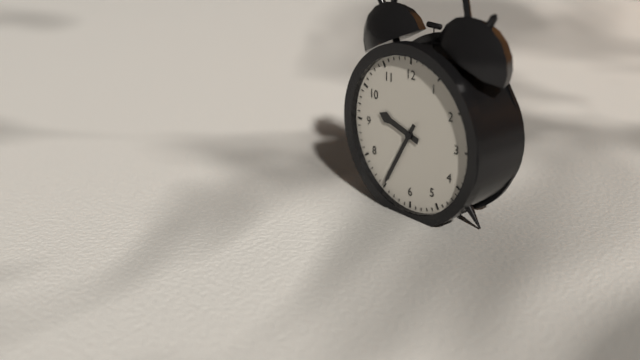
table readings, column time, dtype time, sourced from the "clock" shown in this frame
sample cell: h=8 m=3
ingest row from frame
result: h=9 m=35
